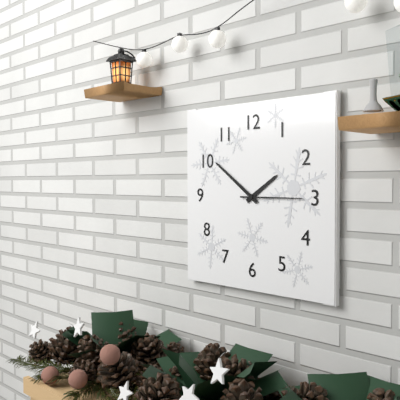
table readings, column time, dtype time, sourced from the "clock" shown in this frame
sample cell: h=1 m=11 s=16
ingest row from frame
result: h=1 m=51 s=15
